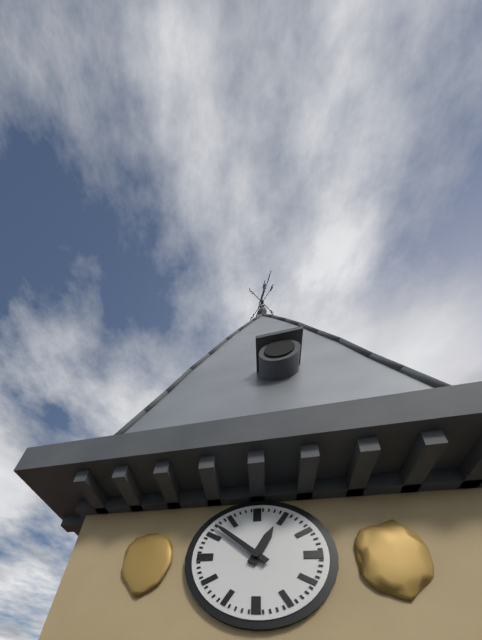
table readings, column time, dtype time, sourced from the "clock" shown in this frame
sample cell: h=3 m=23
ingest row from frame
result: h=12 m=52
